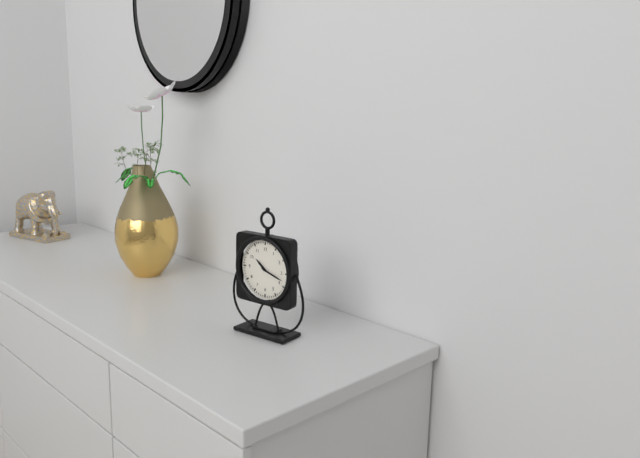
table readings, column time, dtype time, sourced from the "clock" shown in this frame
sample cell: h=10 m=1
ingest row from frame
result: h=10 m=18
